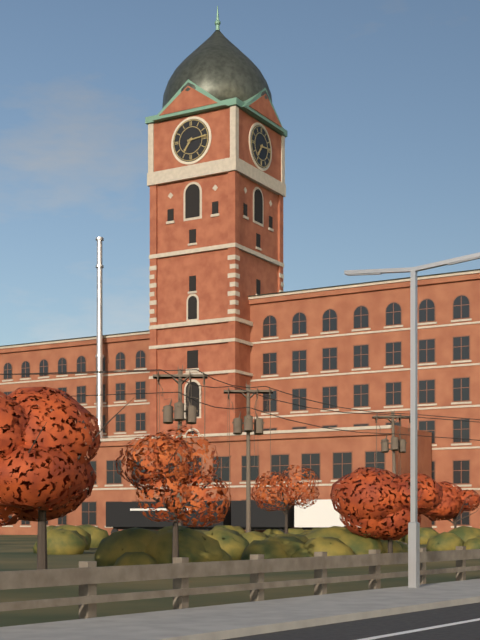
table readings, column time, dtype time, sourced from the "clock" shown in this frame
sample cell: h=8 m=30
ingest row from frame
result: h=7 m=14
